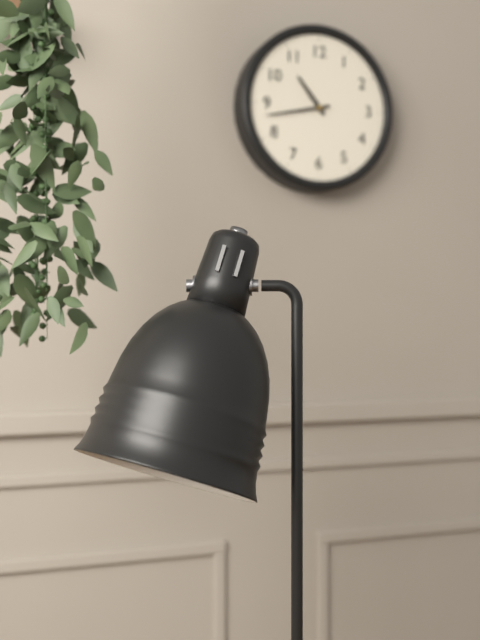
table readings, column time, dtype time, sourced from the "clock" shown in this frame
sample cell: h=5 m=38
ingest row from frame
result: h=10 m=43
